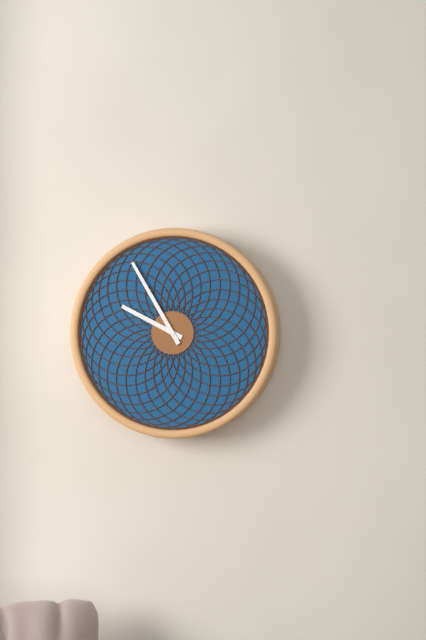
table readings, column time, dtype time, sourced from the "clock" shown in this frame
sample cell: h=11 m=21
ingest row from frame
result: h=9 m=55
